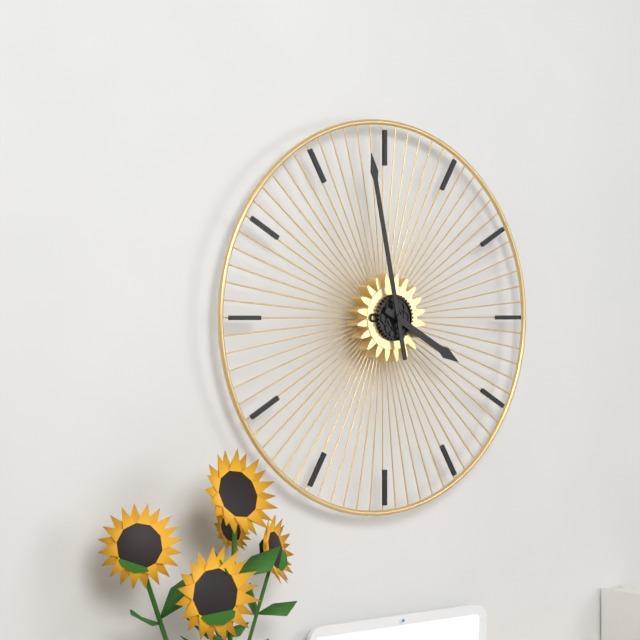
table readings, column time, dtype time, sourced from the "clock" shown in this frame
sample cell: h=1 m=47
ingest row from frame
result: h=3 m=58
